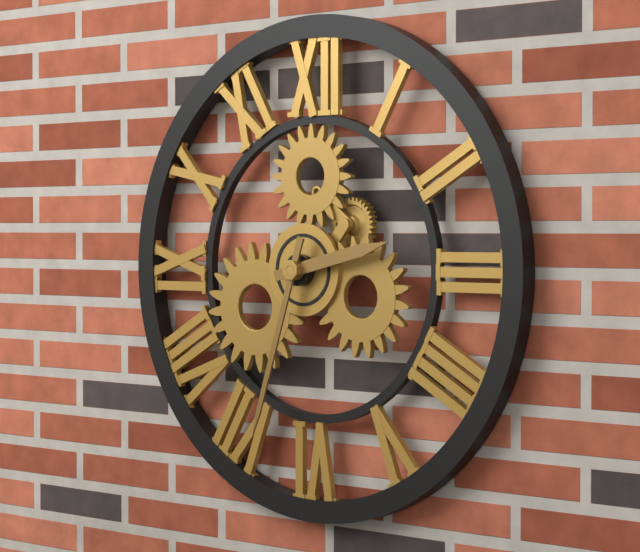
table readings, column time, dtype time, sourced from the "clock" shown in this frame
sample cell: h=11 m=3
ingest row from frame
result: h=2 m=33
